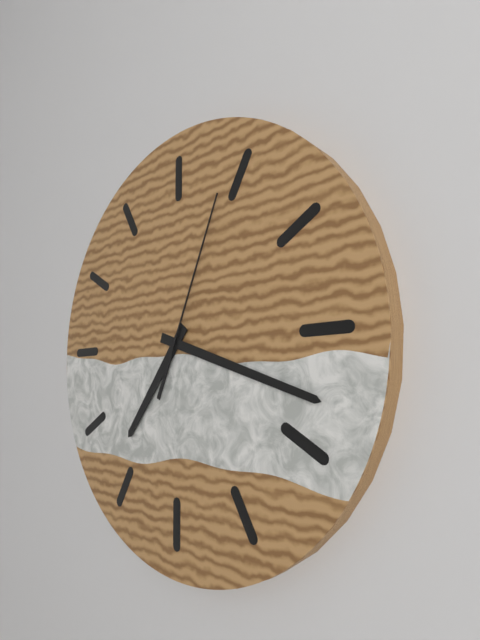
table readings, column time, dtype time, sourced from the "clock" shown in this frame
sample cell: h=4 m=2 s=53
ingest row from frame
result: h=7 m=18 s=4
